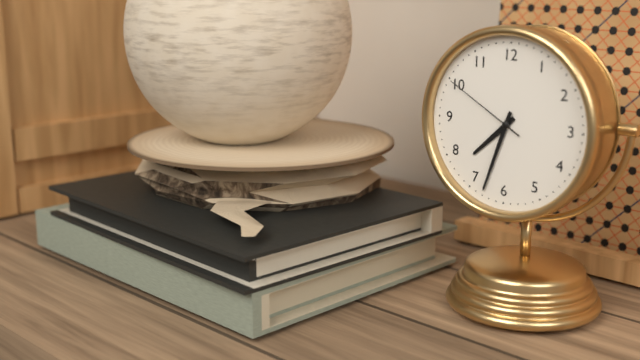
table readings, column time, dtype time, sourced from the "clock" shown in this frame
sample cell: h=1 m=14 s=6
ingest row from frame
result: h=7 m=33 s=50
